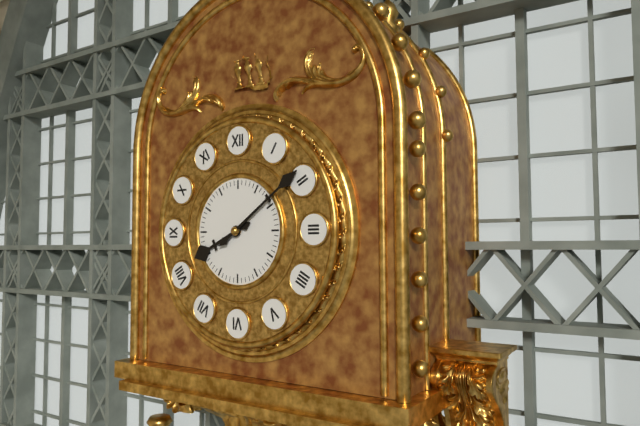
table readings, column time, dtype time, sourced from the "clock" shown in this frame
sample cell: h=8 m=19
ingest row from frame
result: h=8 m=9
